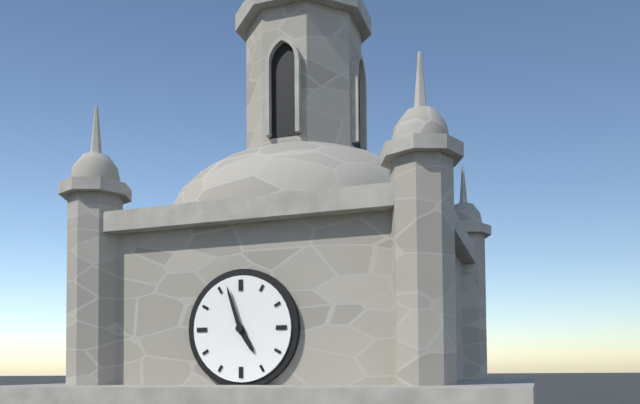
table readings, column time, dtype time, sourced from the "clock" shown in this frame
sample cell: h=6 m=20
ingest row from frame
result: h=4 m=57
